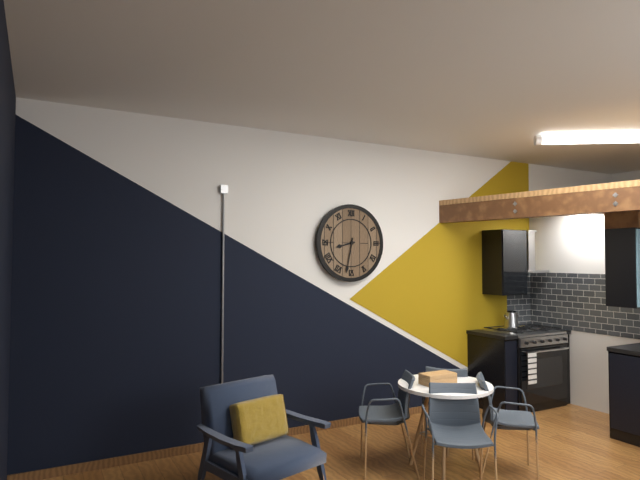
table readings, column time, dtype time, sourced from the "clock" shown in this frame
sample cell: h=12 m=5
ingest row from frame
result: h=8 m=32
